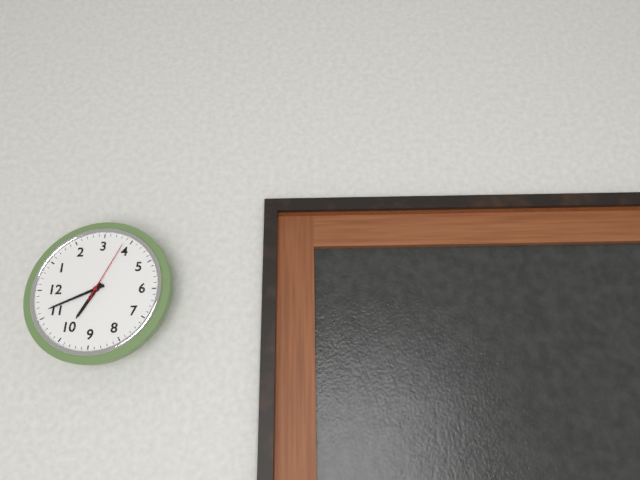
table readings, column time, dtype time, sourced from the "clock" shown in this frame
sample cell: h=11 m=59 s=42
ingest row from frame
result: h=9 m=56 s=19
